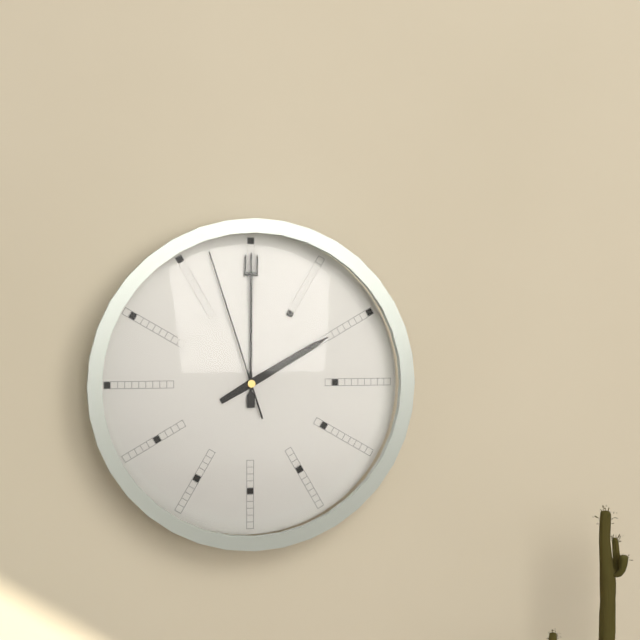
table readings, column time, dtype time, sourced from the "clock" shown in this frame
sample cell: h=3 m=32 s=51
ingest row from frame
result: h=2 m=0 s=57
